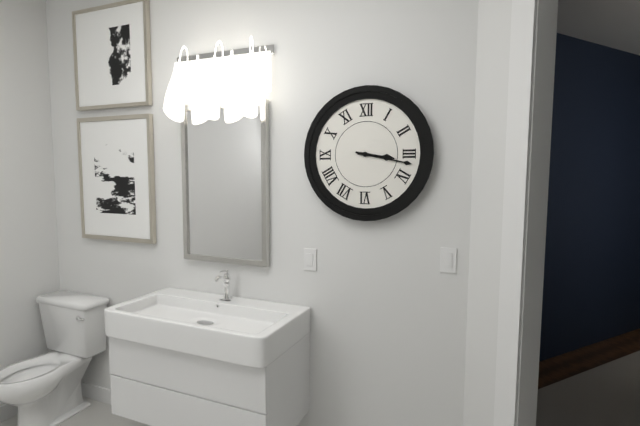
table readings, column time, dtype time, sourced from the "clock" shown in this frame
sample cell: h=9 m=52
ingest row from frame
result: h=3 m=17
